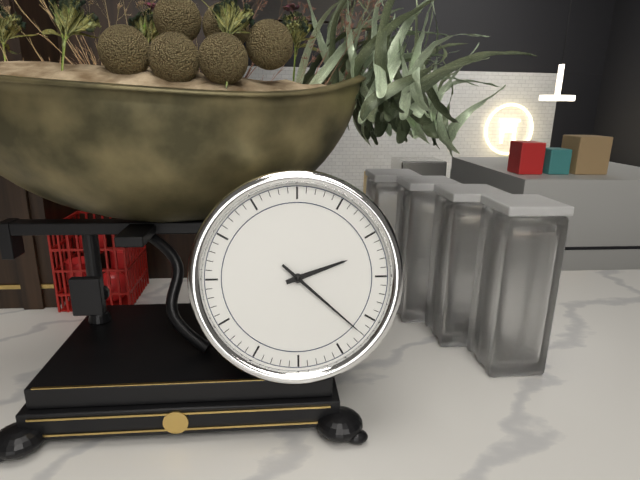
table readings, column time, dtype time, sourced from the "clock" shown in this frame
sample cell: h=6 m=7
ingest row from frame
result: h=2 m=22
